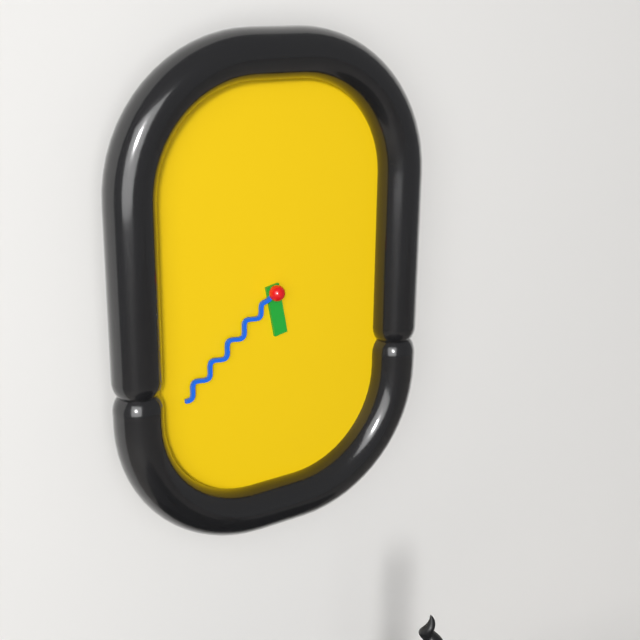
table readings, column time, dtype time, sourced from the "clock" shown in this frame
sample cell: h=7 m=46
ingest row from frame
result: h=5 m=38
